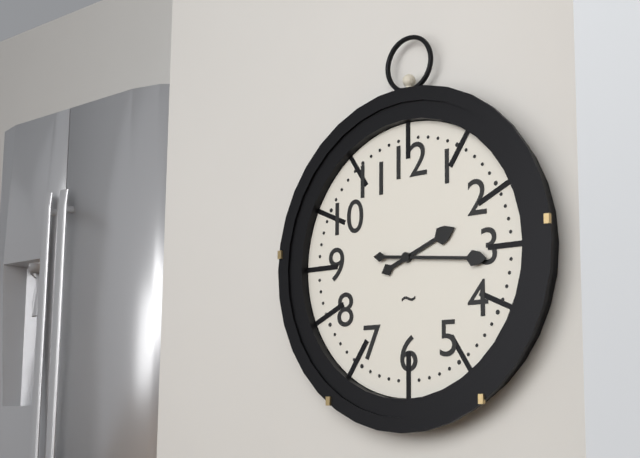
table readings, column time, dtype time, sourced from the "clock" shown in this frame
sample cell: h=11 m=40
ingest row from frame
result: h=2 m=16
